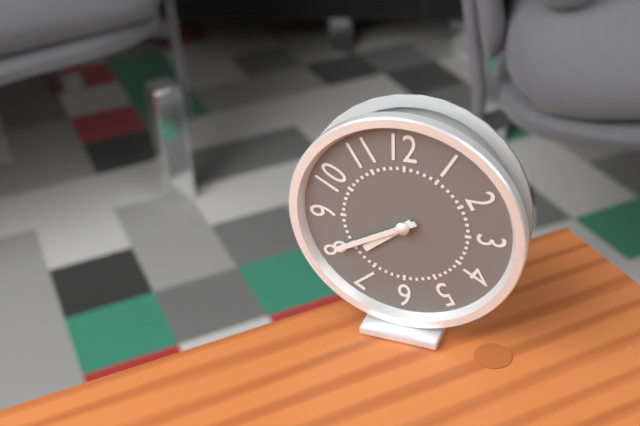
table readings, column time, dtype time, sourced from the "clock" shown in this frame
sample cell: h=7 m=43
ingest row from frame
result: h=7 m=40
